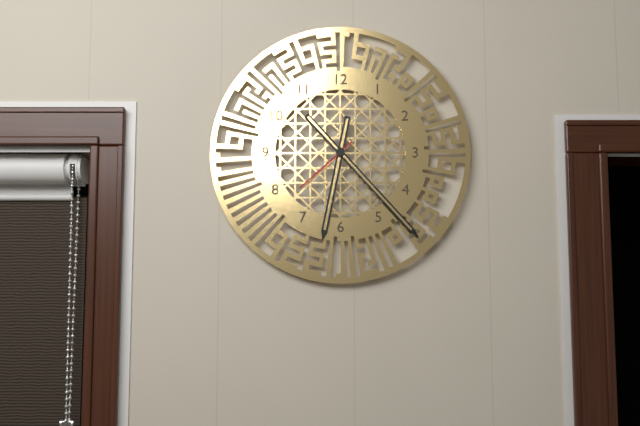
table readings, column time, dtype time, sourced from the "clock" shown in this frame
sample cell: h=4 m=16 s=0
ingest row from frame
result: h=6 m=23 s=38
